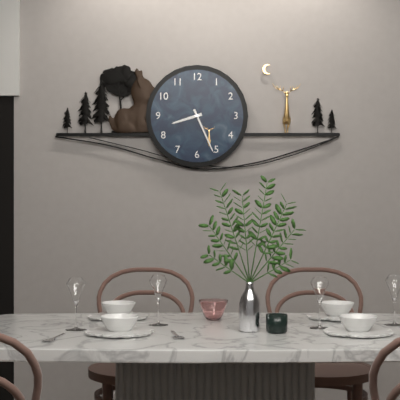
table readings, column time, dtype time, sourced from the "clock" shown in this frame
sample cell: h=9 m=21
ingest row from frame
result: h=8 m=26
